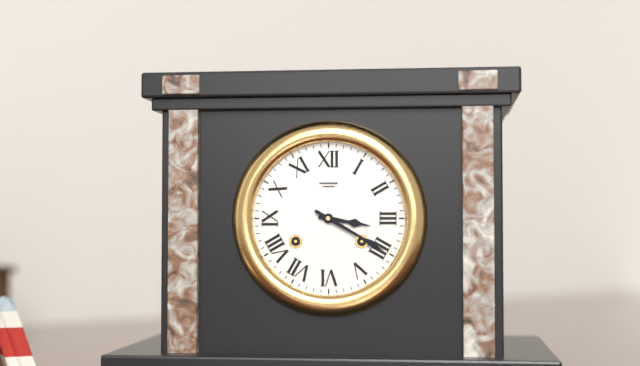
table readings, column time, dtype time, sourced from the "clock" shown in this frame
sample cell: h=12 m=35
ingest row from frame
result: h=3 m=20
